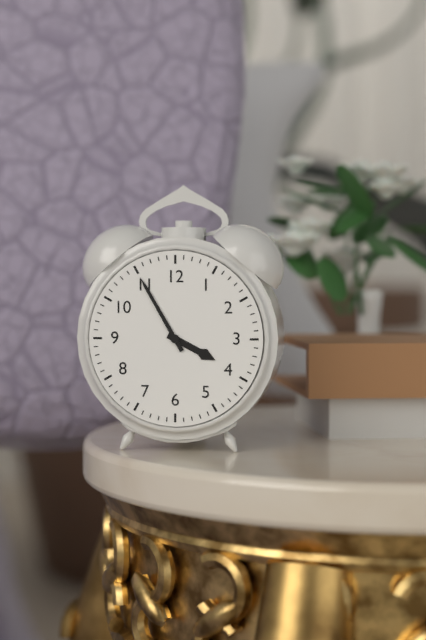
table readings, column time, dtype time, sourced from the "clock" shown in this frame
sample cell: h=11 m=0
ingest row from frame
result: h=3 m=55
